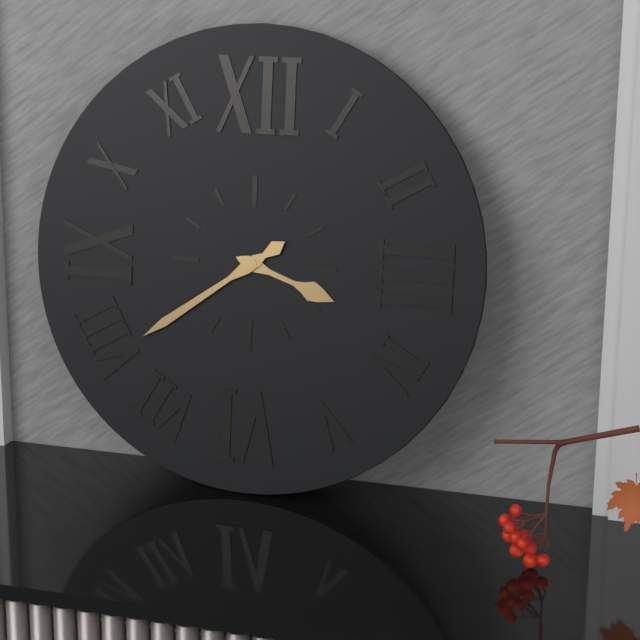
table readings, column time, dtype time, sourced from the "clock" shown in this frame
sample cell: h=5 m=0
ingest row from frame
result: h=3 m=39
